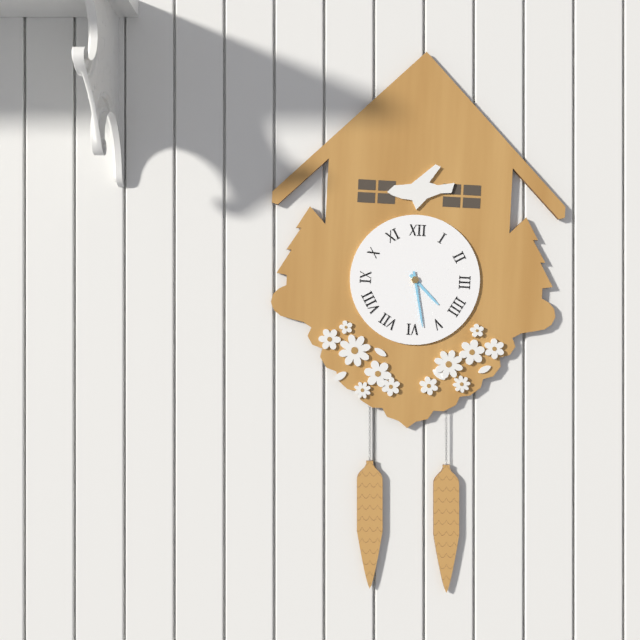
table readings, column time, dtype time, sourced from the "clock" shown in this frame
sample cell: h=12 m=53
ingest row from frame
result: h=4 m=28
